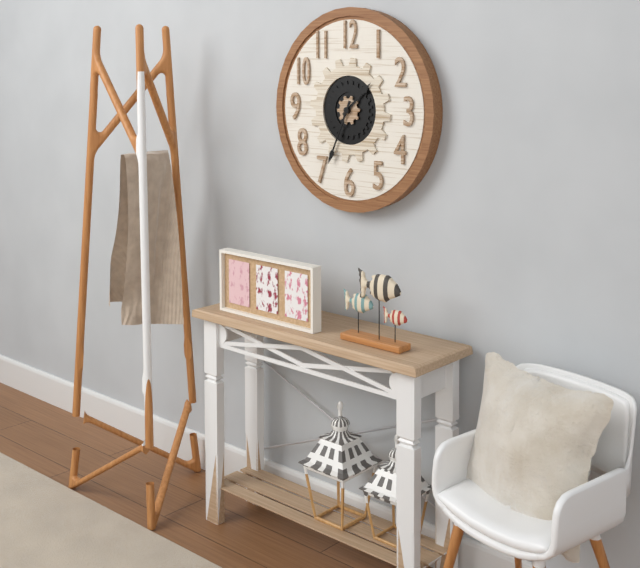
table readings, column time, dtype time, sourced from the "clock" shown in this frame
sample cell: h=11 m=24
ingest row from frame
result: h=1 m=34
